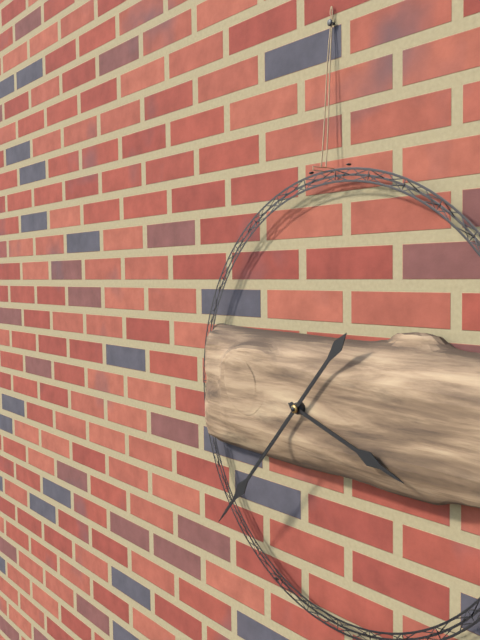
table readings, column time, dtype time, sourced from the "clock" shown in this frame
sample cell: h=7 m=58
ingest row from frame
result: h=3 m=37
